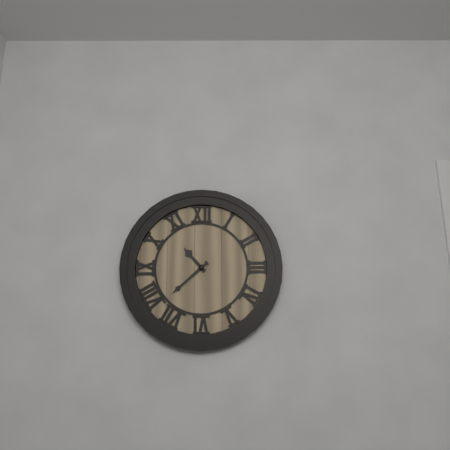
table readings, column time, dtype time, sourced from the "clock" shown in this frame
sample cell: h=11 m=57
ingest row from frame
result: h=10 m=38
